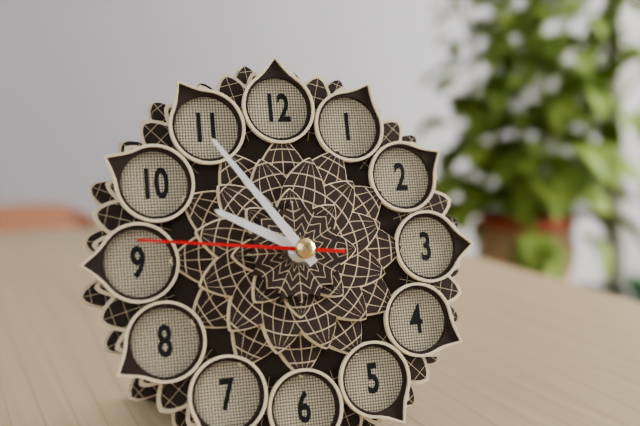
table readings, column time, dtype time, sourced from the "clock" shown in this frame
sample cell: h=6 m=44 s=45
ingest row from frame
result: h=9 m=54 s=46
